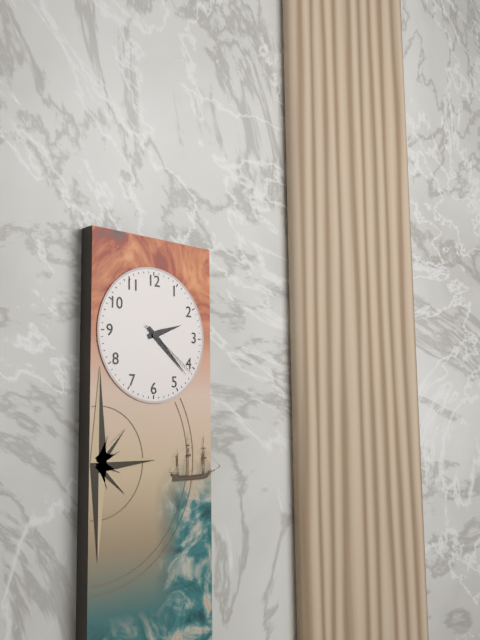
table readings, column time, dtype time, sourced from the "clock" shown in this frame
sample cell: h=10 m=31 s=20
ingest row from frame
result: h=2 m=22 s=21
